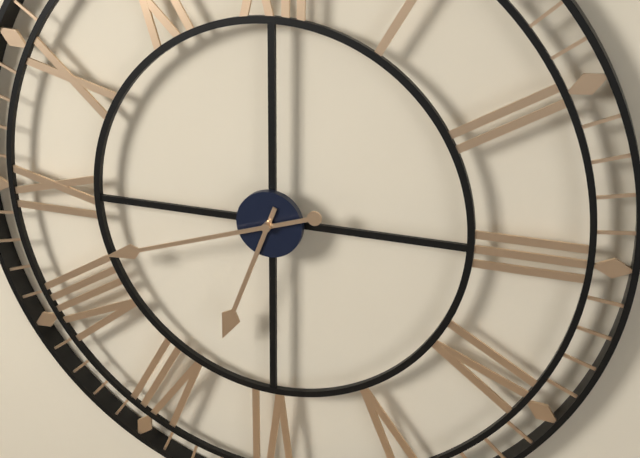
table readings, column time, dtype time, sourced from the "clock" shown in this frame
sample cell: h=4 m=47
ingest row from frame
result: h=6 m=42
